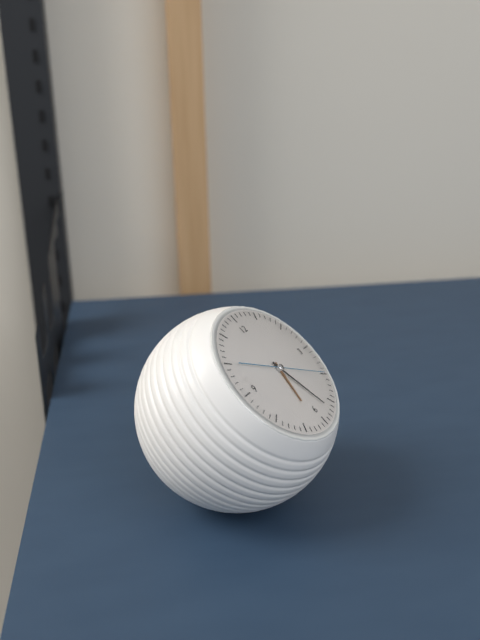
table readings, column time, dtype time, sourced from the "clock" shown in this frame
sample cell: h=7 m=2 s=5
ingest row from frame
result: h=6 m=27 s=20
